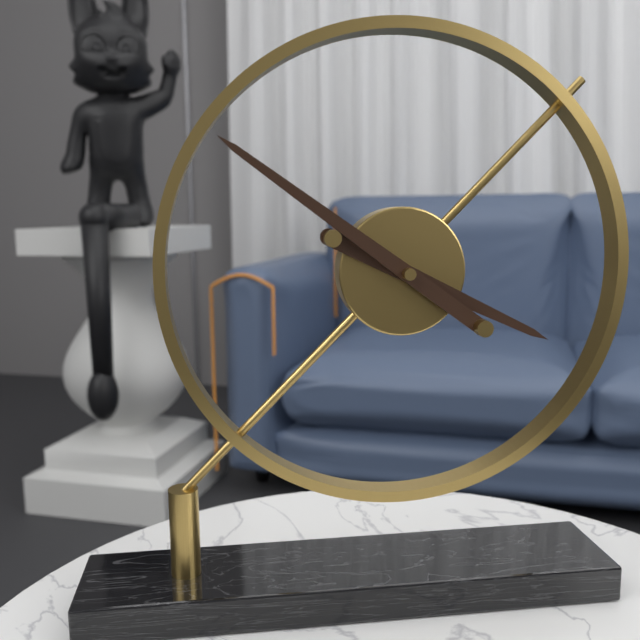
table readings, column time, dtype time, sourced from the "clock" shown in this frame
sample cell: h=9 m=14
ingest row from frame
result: h=3 m=51
